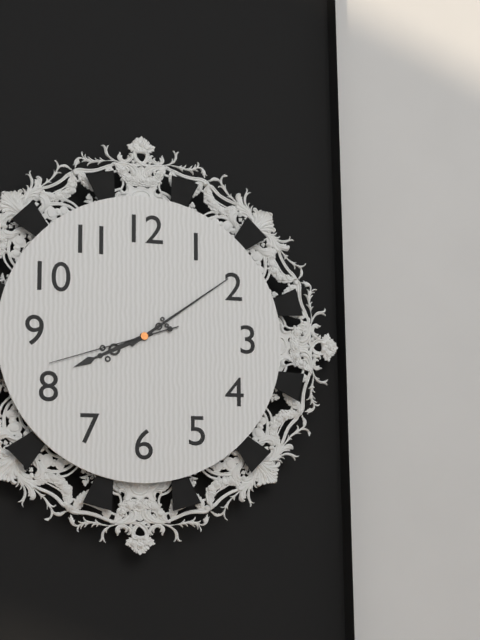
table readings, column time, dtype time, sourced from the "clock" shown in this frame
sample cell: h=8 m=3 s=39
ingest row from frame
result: h=8 m=9 s=42
